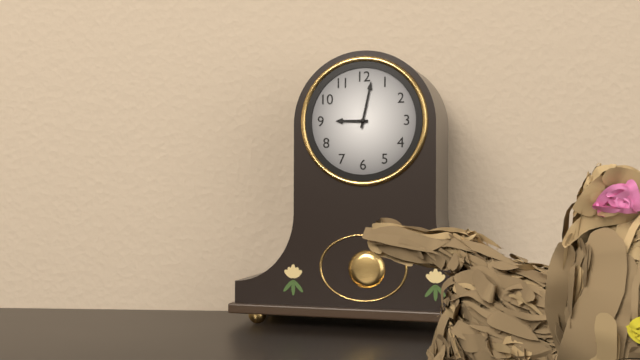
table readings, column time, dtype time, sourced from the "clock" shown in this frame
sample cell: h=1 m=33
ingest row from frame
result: h=9 m=2
